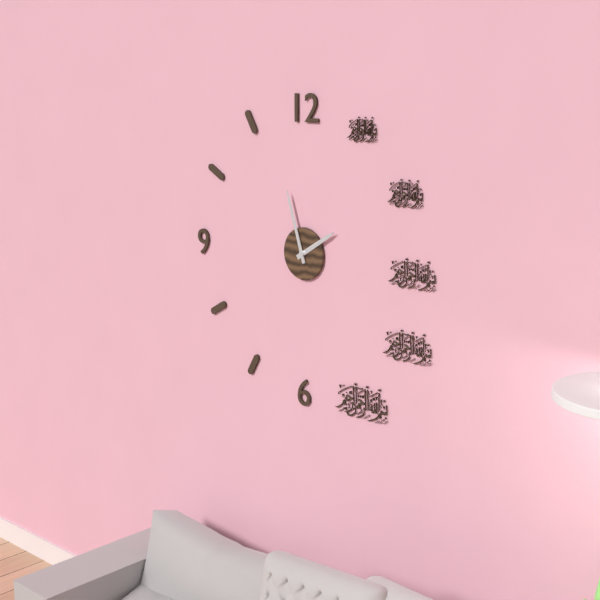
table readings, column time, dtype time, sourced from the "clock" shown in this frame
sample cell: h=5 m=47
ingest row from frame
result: h=1 m=57
